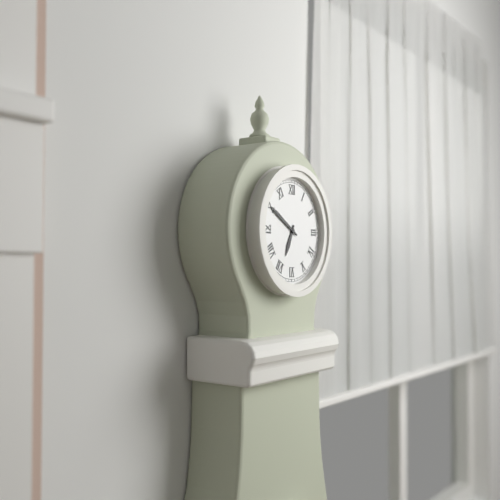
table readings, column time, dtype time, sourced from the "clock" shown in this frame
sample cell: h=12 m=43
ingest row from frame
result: h=6 m=50
